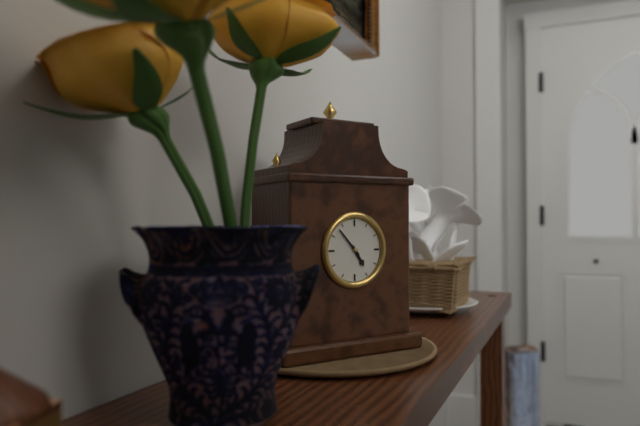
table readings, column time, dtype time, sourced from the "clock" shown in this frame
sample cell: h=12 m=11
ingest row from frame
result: h=4 m=53
